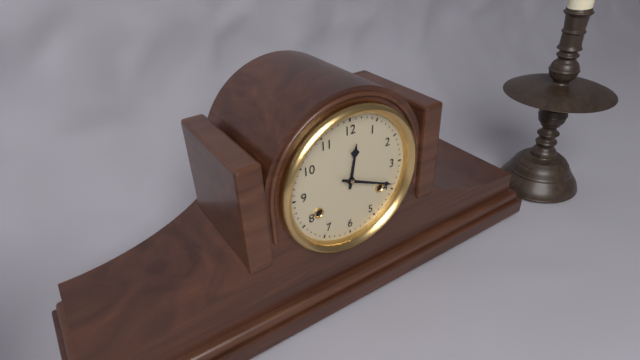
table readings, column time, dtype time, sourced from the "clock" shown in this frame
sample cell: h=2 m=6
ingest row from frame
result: h=12 m=19
